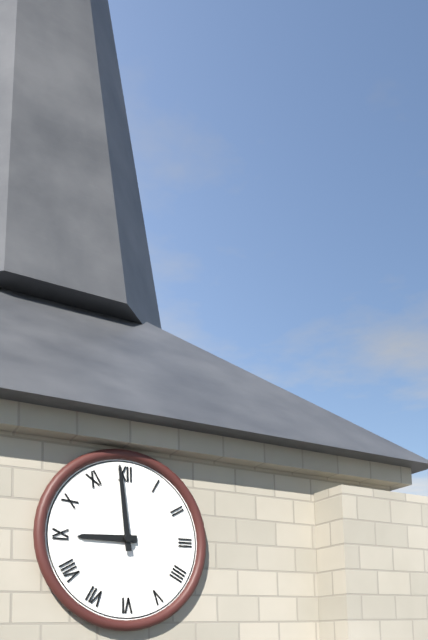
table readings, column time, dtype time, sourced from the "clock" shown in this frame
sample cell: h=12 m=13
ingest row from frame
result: h=8 m=59
